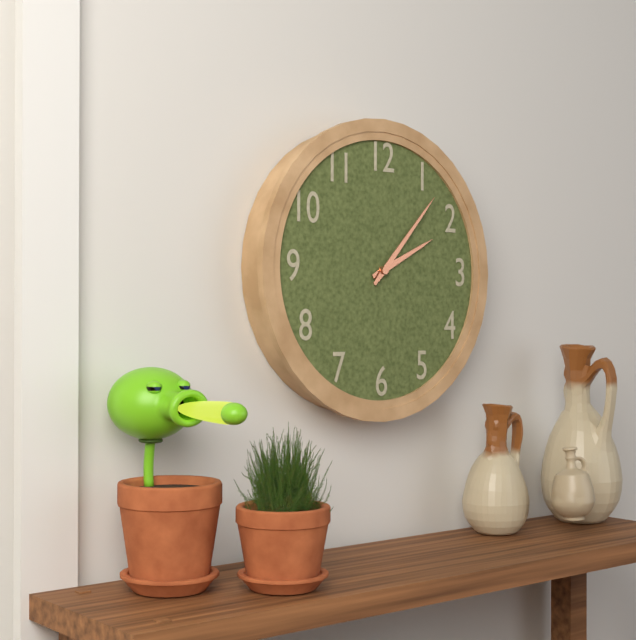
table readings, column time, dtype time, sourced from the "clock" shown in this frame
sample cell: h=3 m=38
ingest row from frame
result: h=2 m=7
